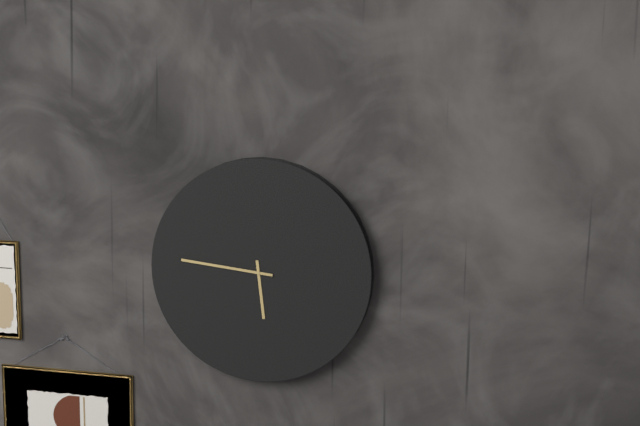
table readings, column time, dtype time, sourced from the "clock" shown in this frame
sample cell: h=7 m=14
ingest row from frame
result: h=5 m=46
